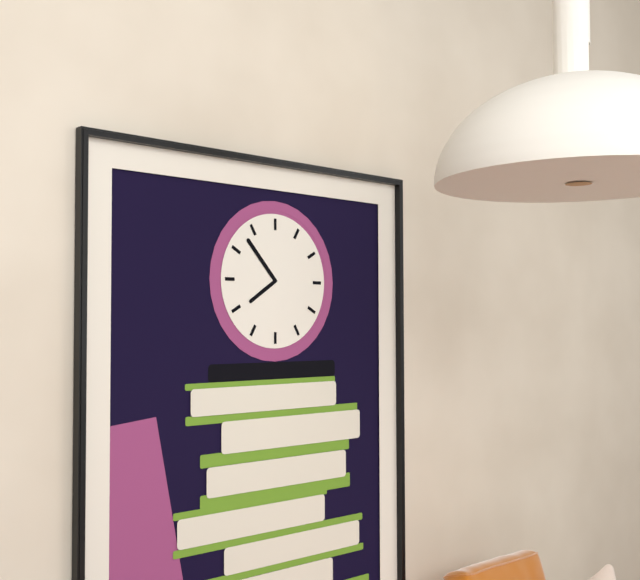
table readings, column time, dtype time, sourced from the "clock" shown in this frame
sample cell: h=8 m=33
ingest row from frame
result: h=7 m=53
